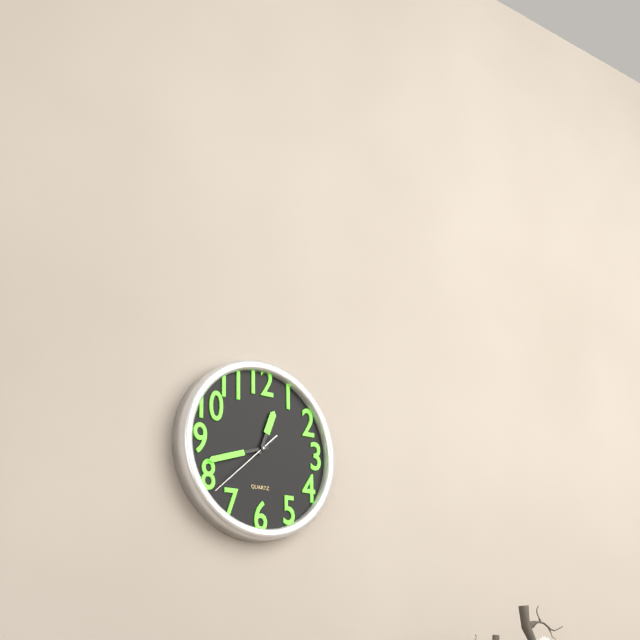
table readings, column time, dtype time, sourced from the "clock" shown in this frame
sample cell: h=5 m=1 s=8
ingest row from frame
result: h=12 m=42 s=38
